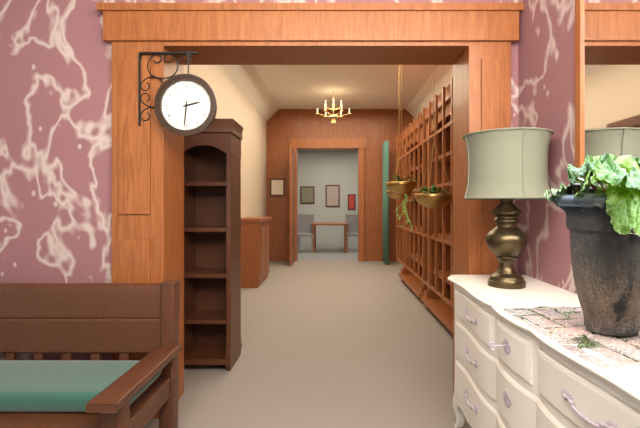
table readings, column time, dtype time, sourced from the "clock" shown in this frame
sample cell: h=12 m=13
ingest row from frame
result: h=2 m=31
